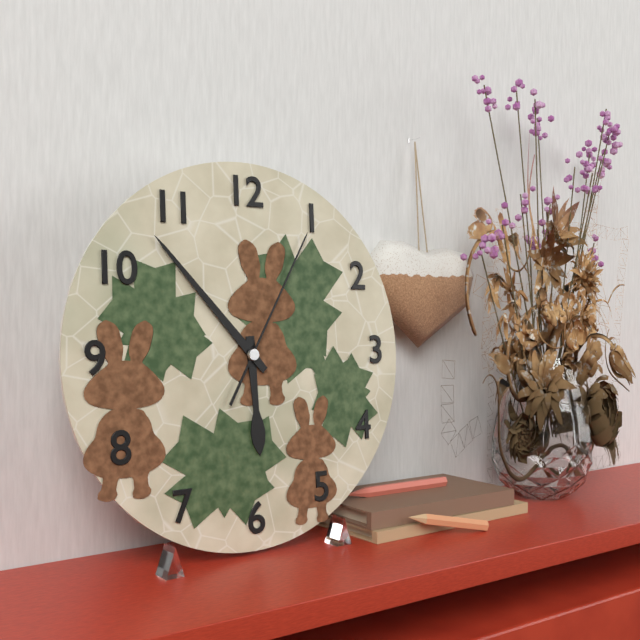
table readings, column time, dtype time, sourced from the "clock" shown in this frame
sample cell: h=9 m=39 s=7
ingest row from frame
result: h=5 m=53 s=5
